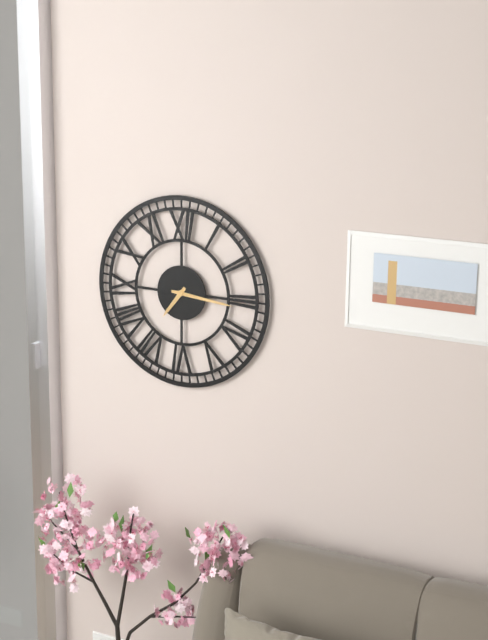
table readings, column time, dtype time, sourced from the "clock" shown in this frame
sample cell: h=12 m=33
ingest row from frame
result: h=7 m=16
